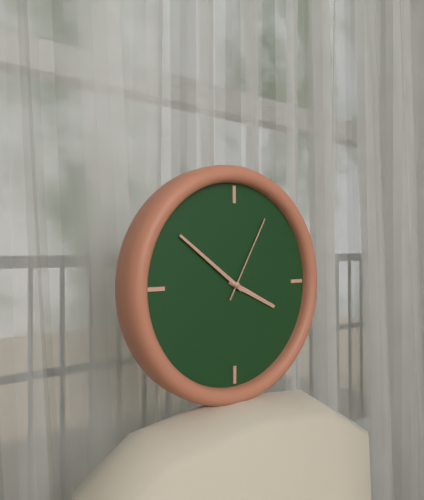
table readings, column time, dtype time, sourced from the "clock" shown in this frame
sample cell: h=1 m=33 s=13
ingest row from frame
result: h=3 m=51 s=5
